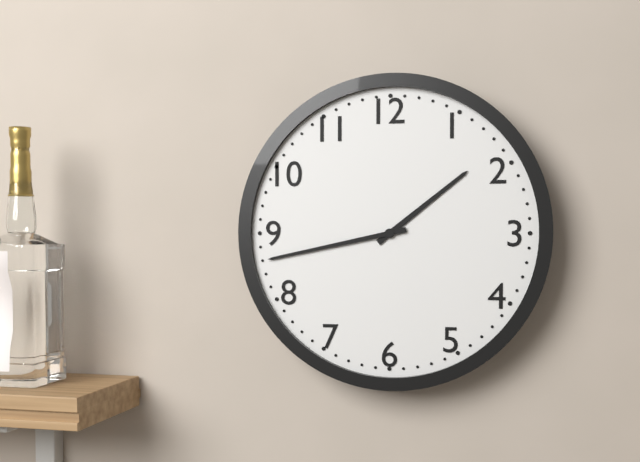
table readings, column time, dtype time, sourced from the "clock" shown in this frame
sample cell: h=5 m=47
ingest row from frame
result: h=1 m=43
